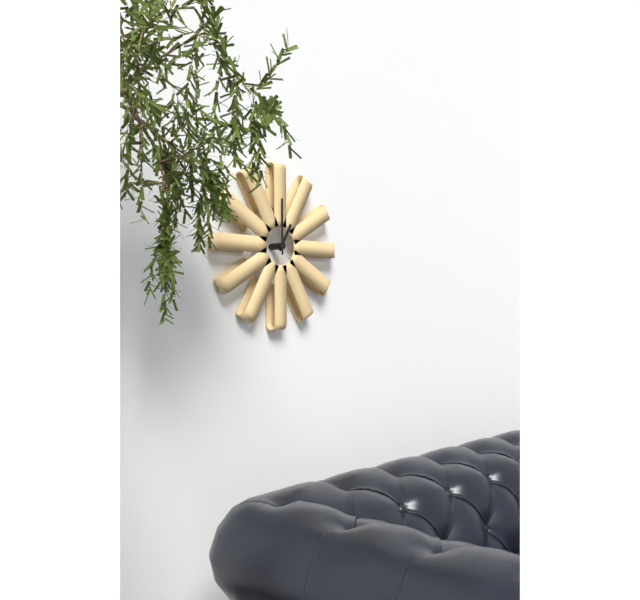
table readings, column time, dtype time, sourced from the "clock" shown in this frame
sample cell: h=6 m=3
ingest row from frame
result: h=1 m=0
